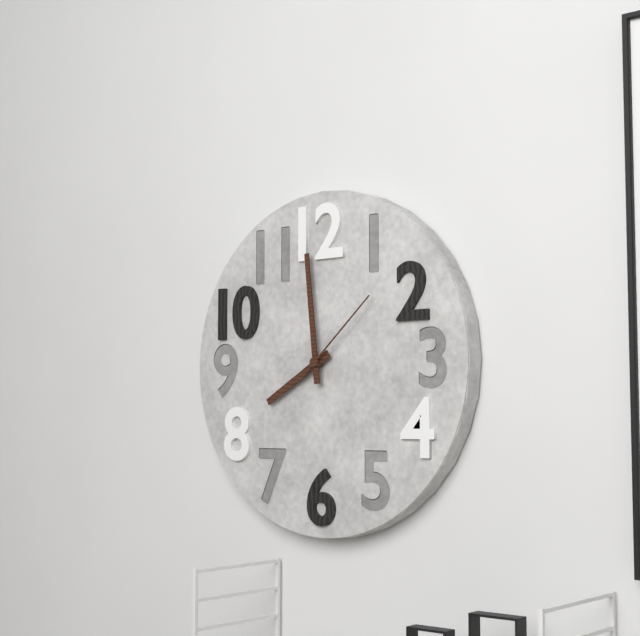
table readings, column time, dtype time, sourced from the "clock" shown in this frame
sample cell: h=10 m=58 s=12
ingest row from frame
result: h=7 m=59 s=8
